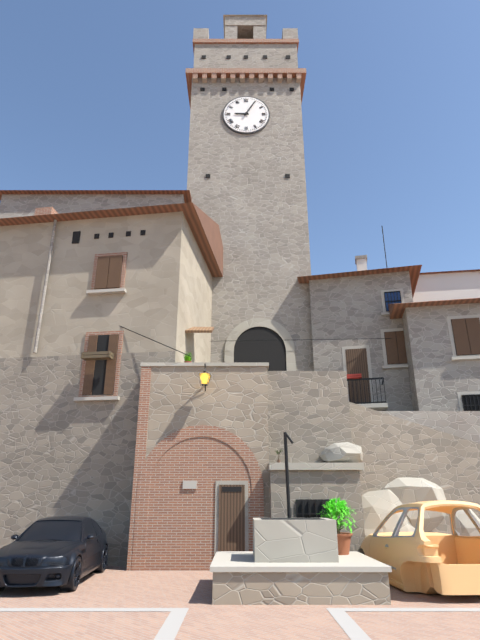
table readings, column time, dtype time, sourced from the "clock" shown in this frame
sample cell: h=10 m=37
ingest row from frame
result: h=9 m=5
